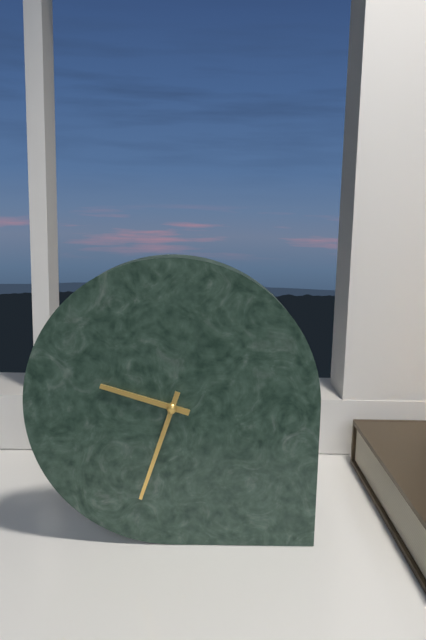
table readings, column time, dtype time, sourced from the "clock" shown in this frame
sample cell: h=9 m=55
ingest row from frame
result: h=9 m=33
